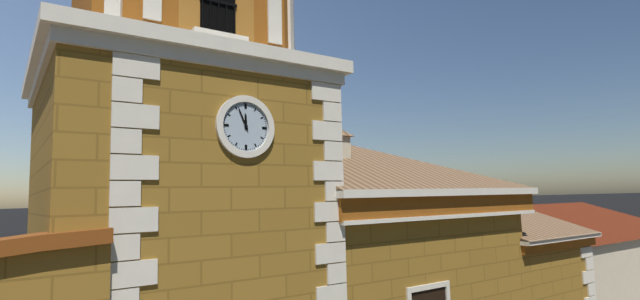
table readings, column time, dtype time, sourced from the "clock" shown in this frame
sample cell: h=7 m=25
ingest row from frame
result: h=11 m=56
